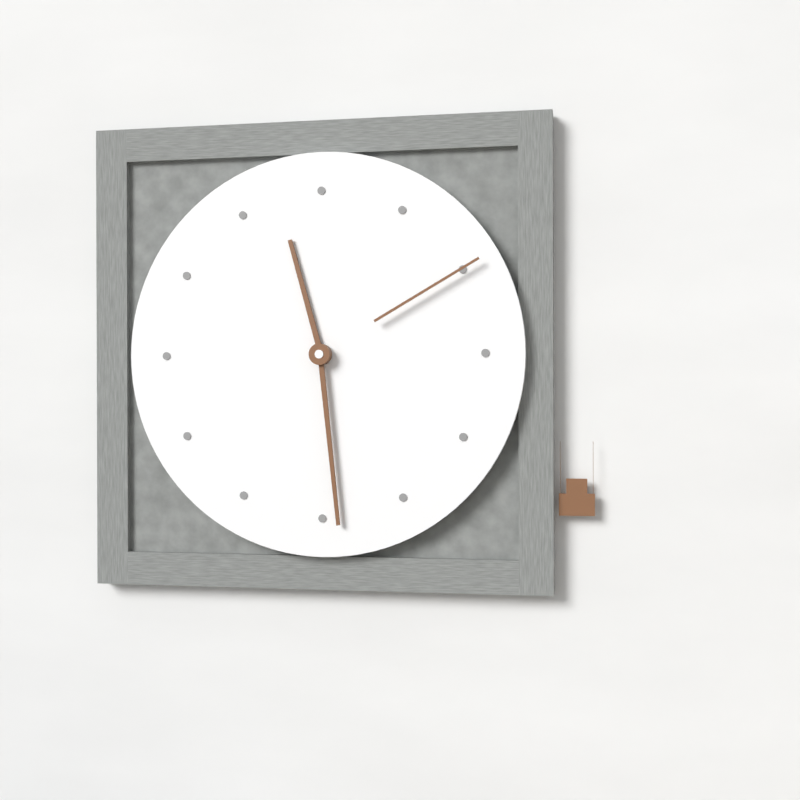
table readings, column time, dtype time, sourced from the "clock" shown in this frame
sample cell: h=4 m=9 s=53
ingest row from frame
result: h=11 m=29 s=10
